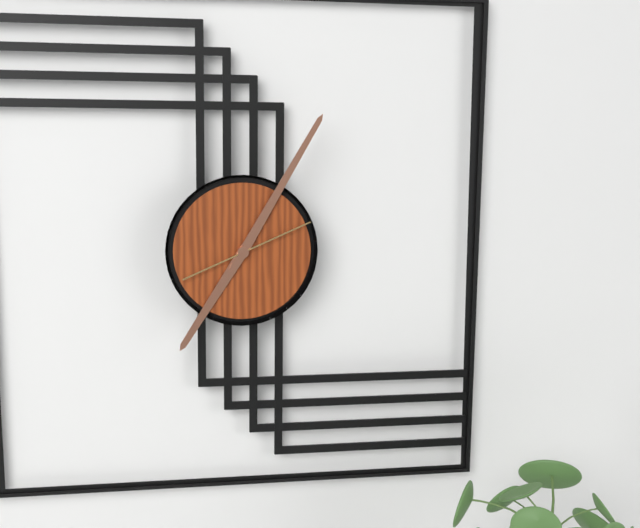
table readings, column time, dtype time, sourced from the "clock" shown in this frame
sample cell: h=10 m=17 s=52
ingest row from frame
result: h=7 m=5 s=11
